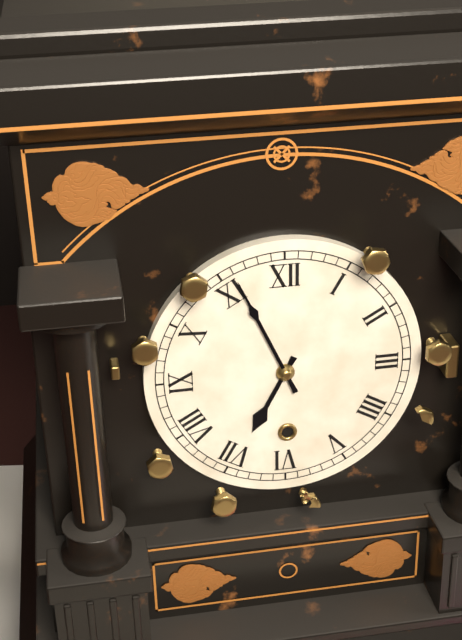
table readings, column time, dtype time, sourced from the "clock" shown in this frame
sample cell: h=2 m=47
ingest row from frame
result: h=6 m=56
